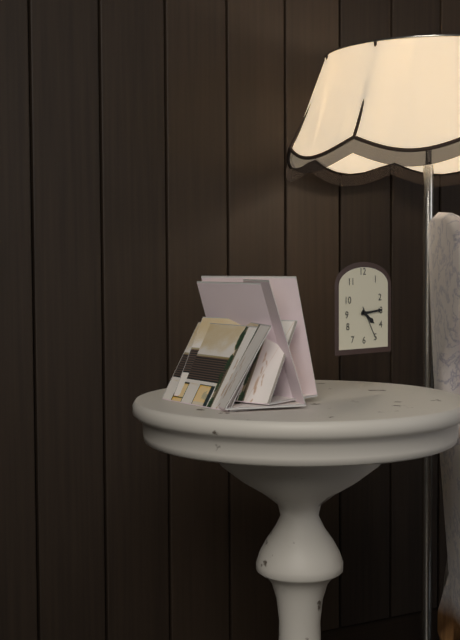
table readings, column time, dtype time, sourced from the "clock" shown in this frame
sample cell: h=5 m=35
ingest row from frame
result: h=4 m=14
